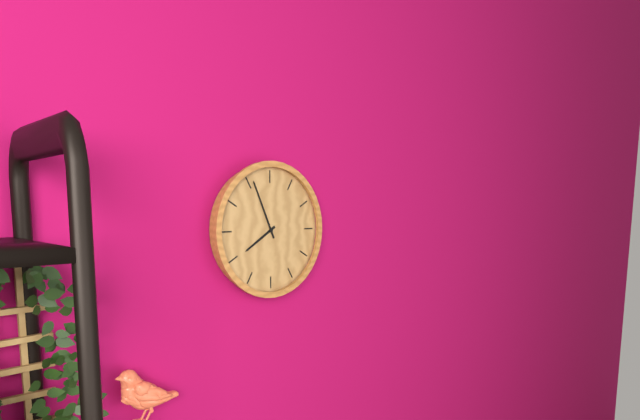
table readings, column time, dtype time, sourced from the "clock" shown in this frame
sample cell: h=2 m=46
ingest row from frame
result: h=7 m=56
